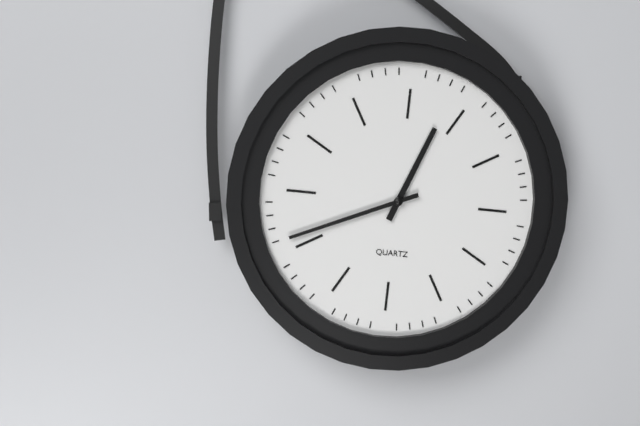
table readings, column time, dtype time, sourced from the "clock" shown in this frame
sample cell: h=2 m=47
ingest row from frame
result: h=12 m=41
